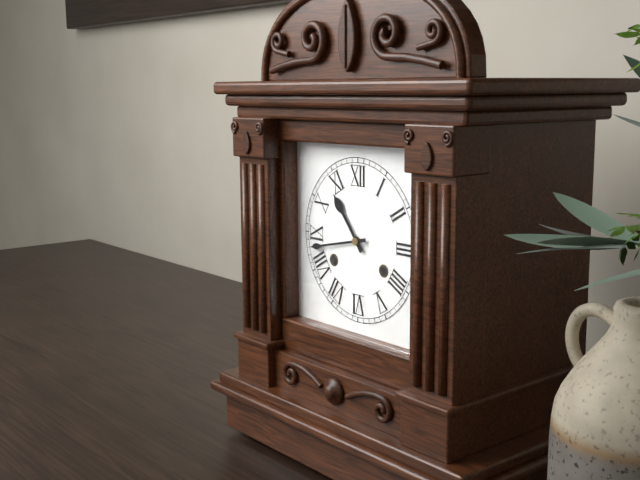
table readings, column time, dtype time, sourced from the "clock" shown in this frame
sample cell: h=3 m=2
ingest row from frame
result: h=10 m=43
